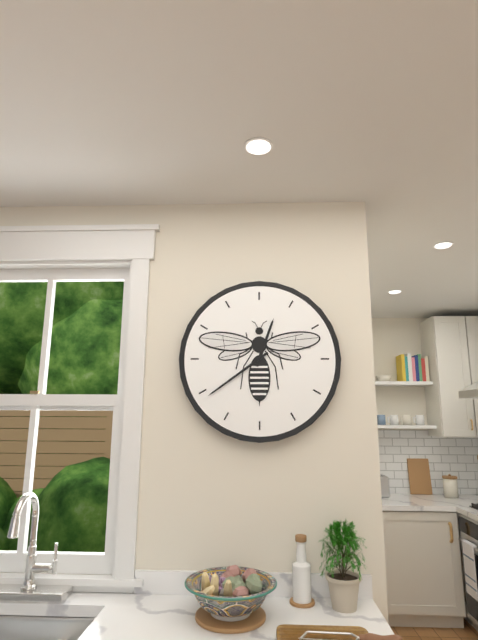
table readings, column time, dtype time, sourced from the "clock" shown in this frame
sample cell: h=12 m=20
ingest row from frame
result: h=12 m=39
